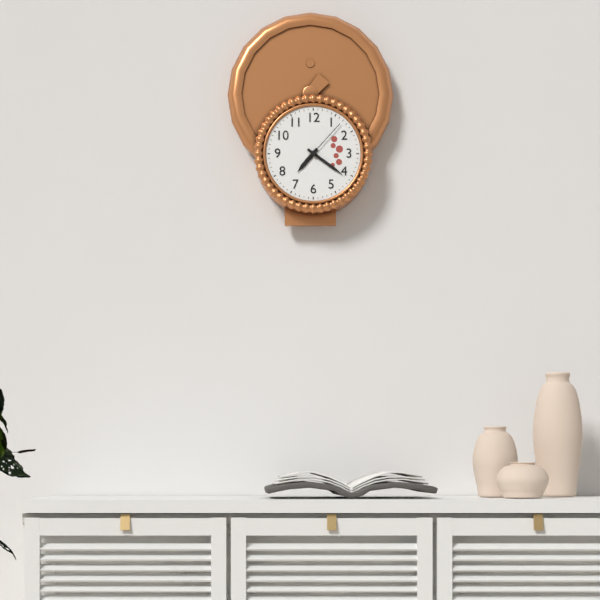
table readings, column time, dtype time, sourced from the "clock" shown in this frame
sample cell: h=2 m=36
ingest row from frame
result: h=7 m=21
